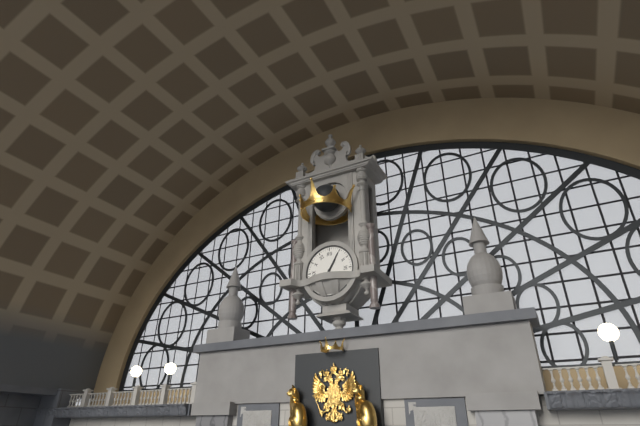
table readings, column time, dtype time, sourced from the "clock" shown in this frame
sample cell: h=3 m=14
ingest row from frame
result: h=1 m=5
